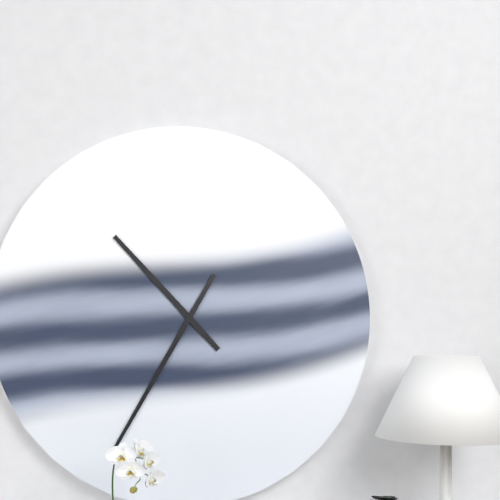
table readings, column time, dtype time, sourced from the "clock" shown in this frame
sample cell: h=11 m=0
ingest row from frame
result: h=10 m=35
